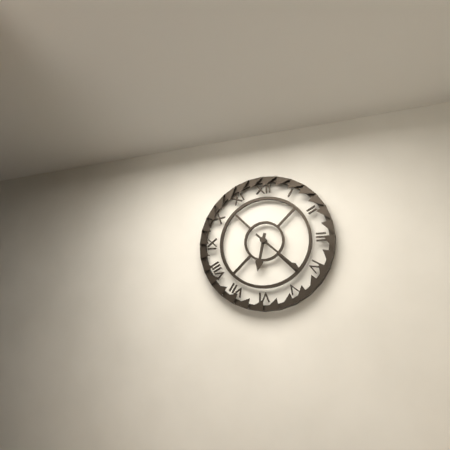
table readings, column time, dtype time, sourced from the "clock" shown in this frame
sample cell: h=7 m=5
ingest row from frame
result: h=6 m=22
